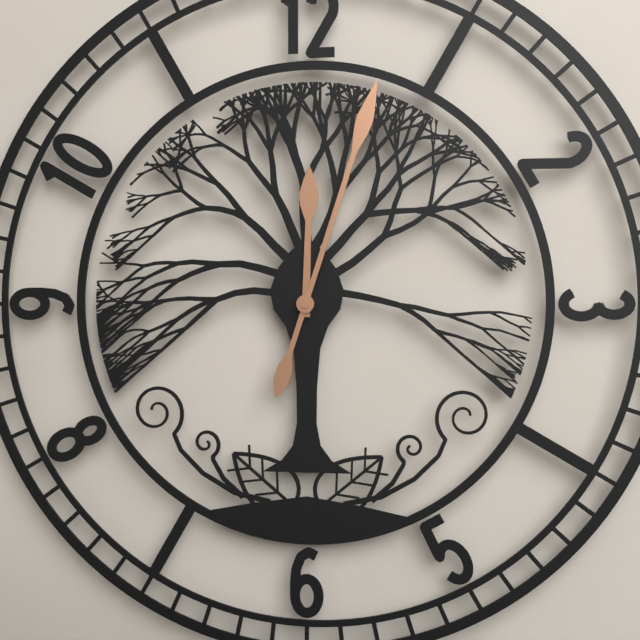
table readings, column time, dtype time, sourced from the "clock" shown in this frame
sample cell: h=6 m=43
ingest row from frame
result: h=12 m=3
